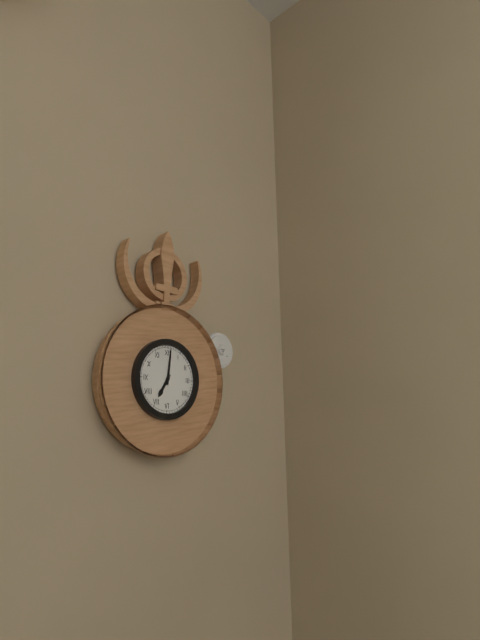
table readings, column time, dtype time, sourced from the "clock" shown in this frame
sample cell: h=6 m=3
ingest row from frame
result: h=7 m=1
